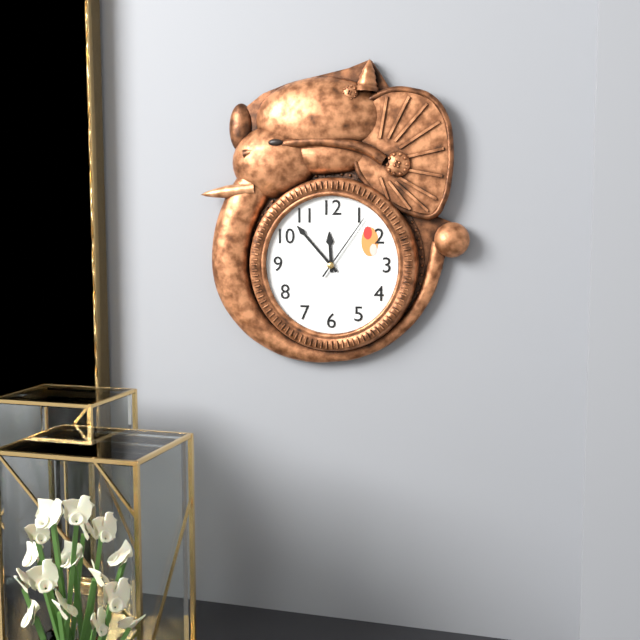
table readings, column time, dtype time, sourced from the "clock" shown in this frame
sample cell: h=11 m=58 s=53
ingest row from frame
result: h=11 m=53 s=6
